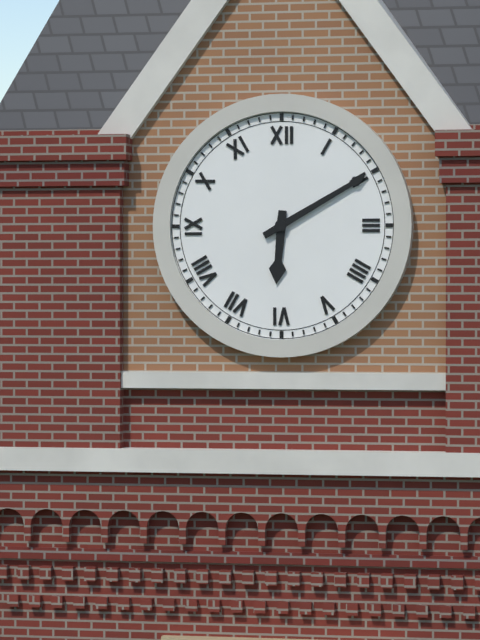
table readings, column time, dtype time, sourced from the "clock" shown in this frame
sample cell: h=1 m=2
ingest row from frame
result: h=6 m=10
